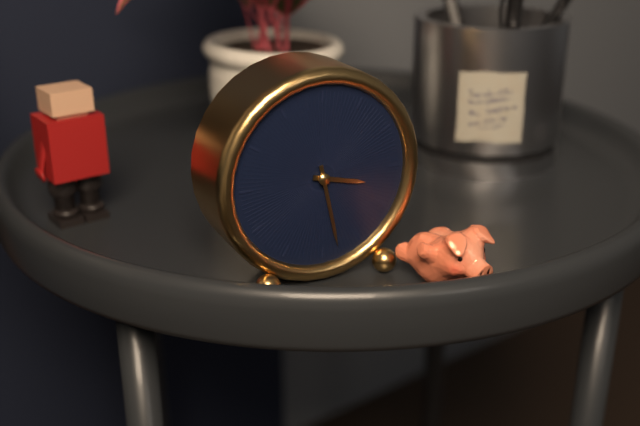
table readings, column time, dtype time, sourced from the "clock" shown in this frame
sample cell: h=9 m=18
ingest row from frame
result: h=3 m=28
